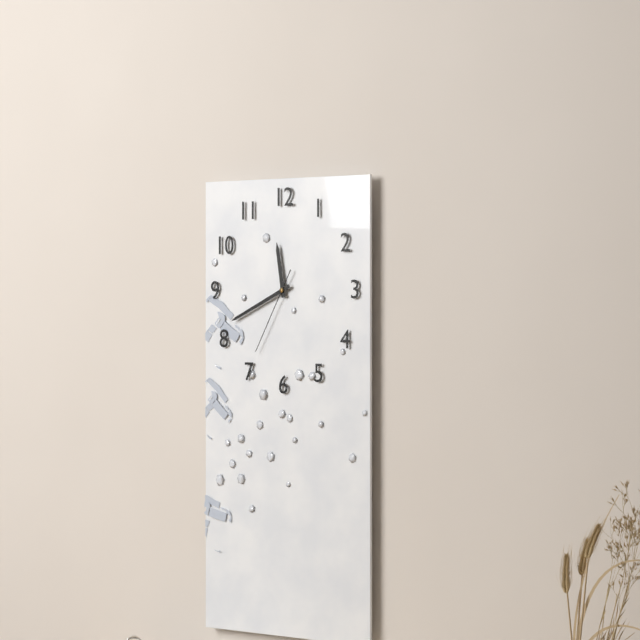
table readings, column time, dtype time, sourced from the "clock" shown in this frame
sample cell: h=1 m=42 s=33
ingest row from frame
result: h=11 m=41 s=35
